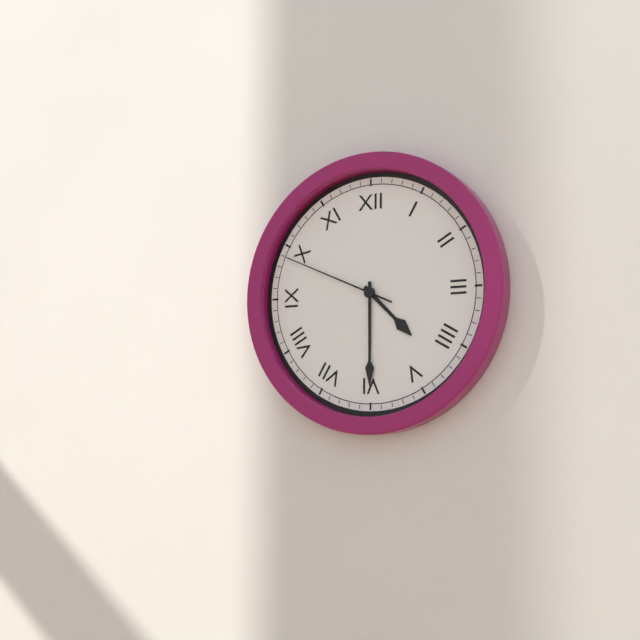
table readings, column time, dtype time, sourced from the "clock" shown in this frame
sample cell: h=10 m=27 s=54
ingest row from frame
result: h=4 m=30 s=49
